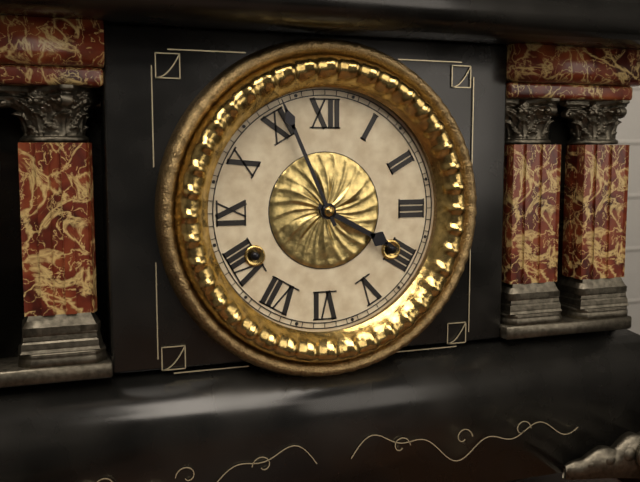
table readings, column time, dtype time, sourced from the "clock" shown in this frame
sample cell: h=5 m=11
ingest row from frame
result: h=3 m=56
